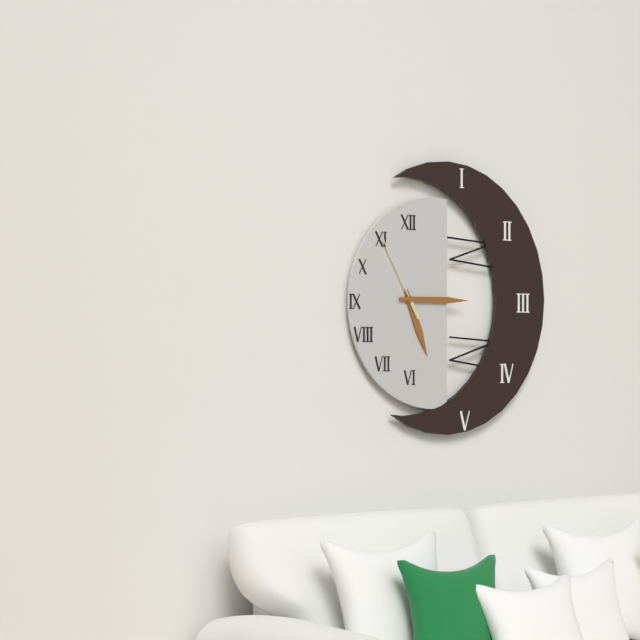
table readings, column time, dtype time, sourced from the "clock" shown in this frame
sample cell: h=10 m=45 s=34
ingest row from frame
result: h=5 m=15 s=55
